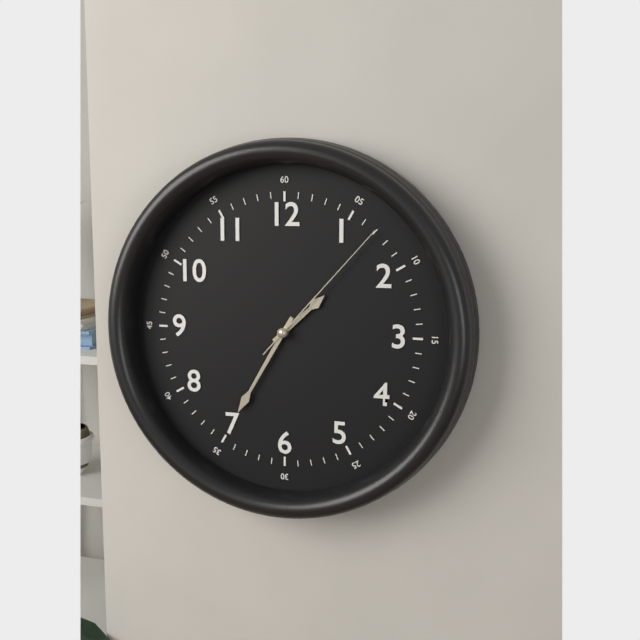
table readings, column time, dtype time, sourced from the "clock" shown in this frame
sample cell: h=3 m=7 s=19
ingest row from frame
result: h=1 m=35 s=7
